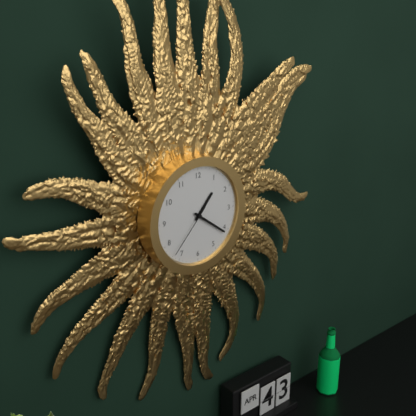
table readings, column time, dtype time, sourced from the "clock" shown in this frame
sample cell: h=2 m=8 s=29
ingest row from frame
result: h=1 m=21 s=37
